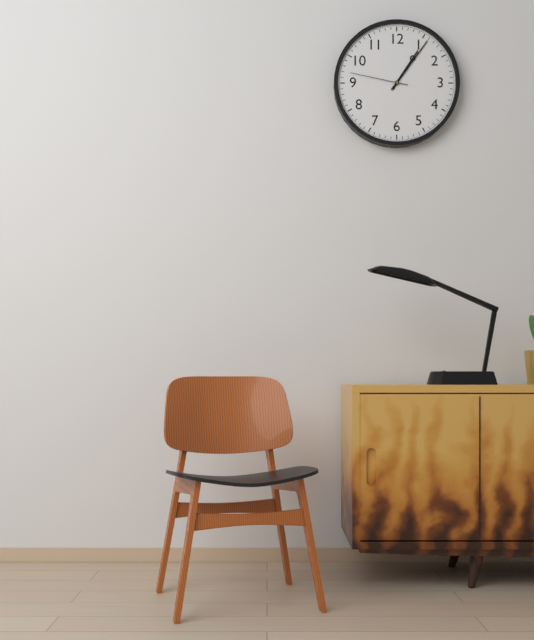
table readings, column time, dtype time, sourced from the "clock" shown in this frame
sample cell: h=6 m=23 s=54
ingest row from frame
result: h=1 m=6 s=47
